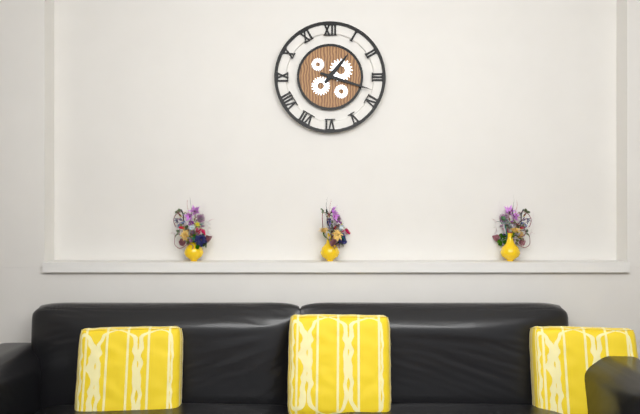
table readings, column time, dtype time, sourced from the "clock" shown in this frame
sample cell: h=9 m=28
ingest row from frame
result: h=1 m=18
